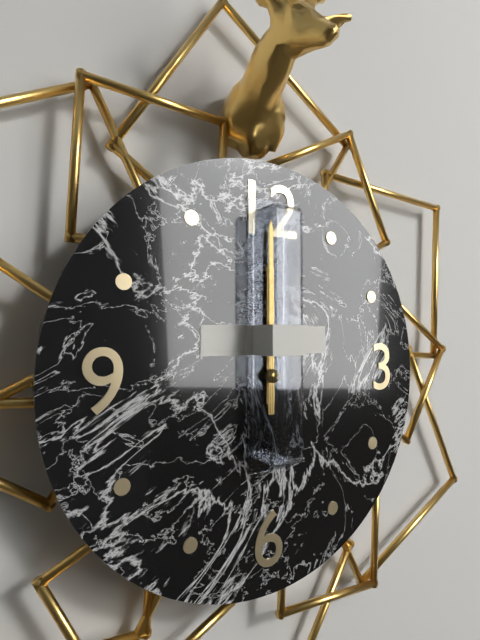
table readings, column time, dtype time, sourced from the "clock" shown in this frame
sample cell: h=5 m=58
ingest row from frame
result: h=12 m=0
